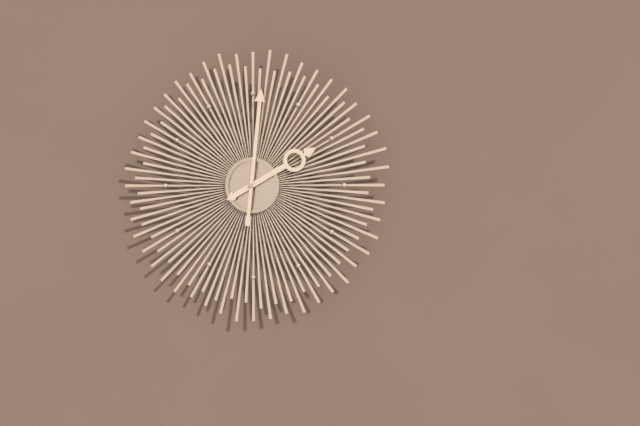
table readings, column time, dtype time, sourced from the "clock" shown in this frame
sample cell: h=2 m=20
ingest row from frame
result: h=2 m=1
